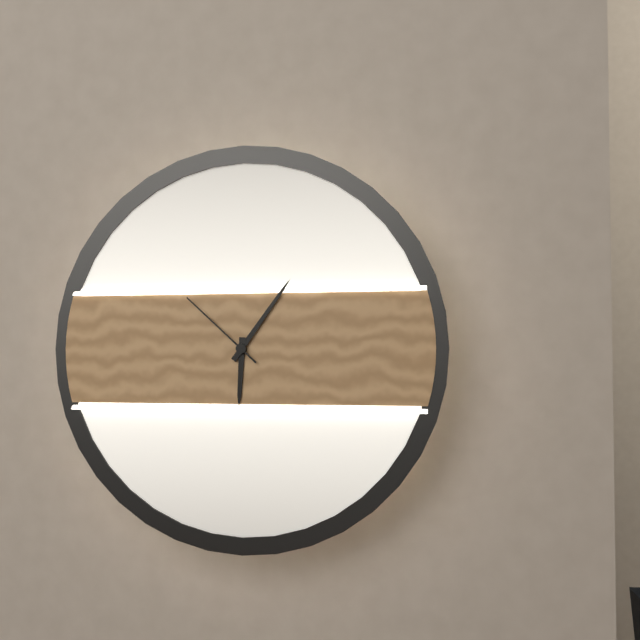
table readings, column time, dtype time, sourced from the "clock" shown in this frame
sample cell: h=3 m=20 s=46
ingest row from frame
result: h=6 m=6 s=52
